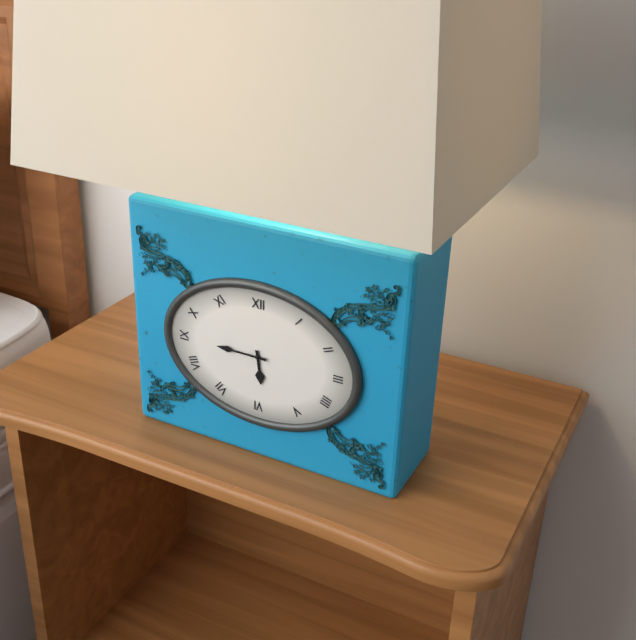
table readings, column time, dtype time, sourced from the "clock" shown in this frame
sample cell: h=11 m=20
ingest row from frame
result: h=5 m=45
